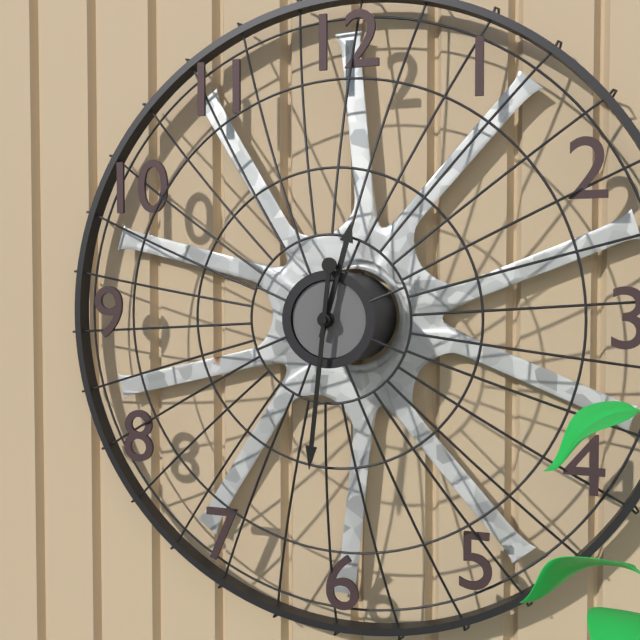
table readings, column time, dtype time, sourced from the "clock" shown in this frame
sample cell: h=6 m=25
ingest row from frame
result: h=12 m=31
